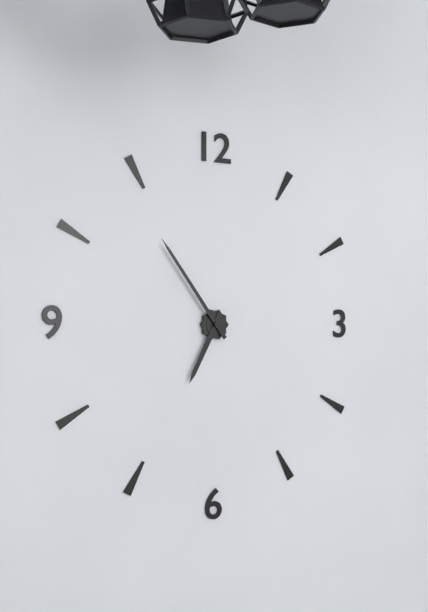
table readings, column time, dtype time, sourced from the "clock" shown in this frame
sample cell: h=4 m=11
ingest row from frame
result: h=6 m=54
